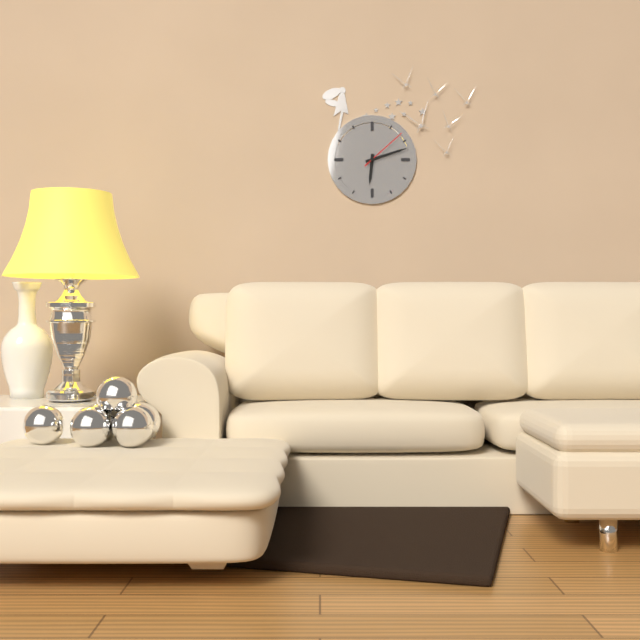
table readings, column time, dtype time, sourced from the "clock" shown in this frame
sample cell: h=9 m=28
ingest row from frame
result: h=6 m=12
